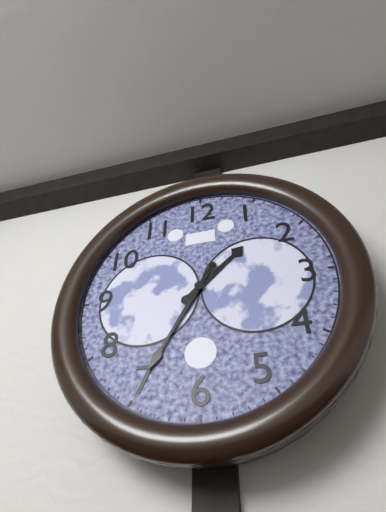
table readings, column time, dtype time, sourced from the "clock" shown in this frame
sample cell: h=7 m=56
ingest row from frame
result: h=1 m=35
